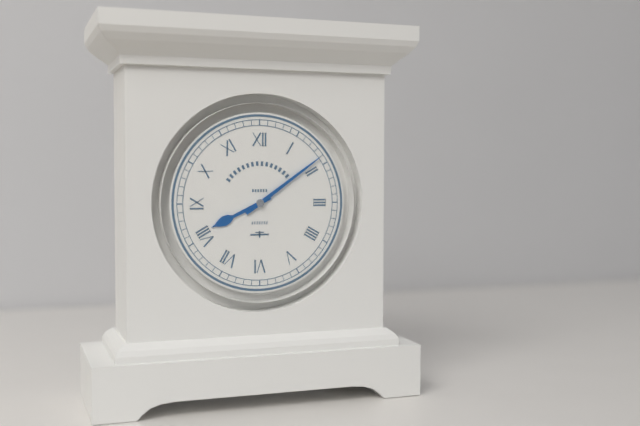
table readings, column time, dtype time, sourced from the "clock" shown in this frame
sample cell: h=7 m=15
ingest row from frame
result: h=8 m=9
